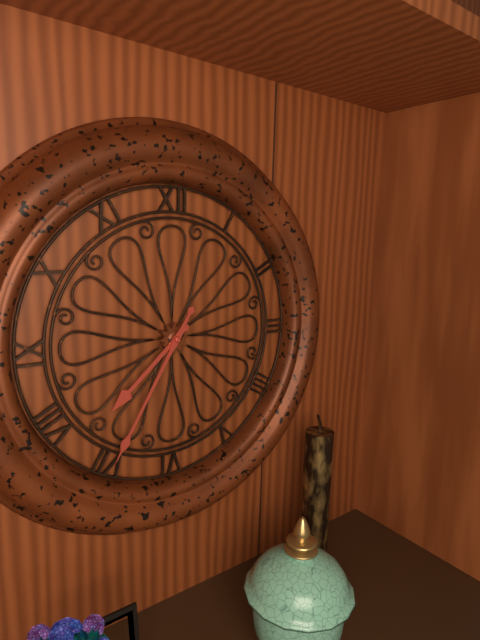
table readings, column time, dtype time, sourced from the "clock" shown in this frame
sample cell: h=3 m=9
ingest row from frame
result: h=7 m=35
